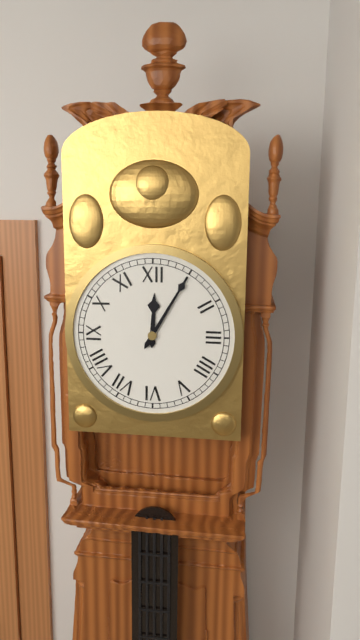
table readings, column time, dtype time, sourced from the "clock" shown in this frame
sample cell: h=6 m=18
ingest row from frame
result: h=12 m=5
